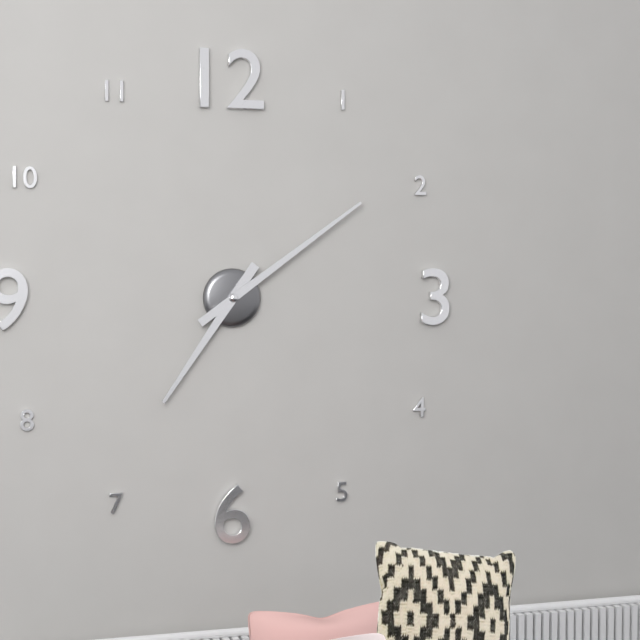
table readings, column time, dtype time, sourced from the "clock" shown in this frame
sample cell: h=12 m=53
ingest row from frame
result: h=7 m=9
